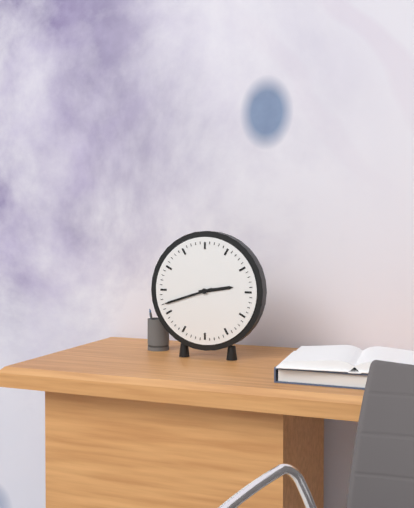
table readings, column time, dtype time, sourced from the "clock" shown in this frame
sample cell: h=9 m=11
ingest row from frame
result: h=2 m=42
